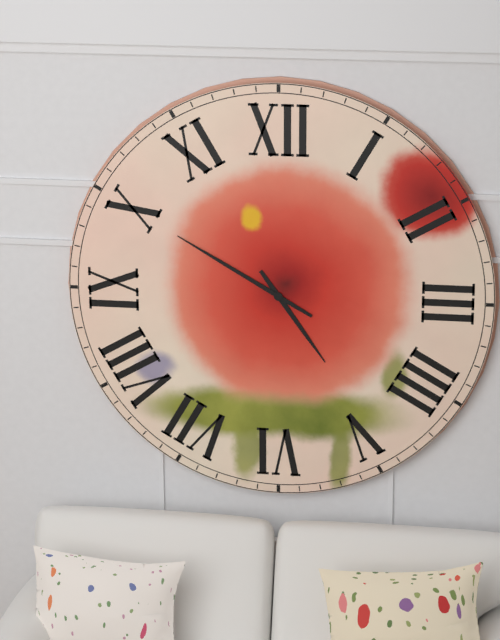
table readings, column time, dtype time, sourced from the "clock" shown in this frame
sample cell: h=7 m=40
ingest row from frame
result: h=4 m=50
